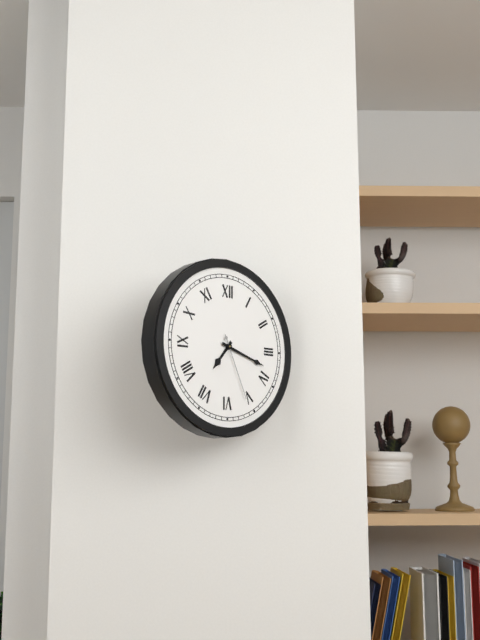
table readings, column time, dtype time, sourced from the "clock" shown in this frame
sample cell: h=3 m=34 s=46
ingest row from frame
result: h=7 m=18 s=26
